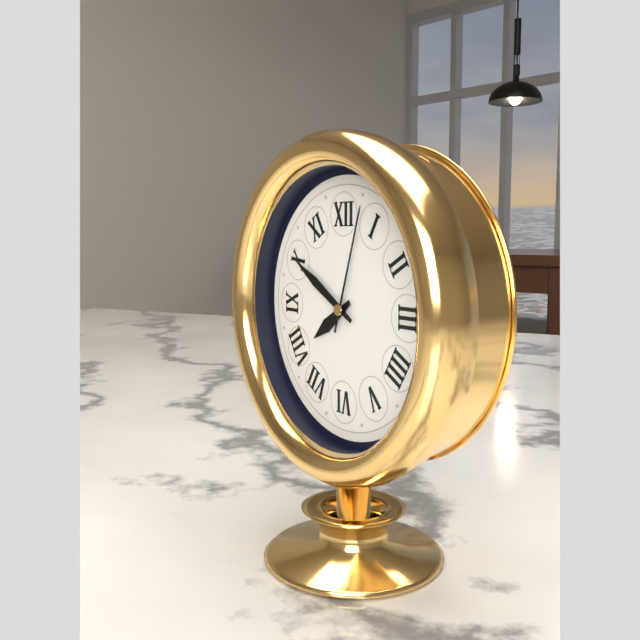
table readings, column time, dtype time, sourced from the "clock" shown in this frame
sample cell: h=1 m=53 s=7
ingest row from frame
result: h=7 m=50 s=3
